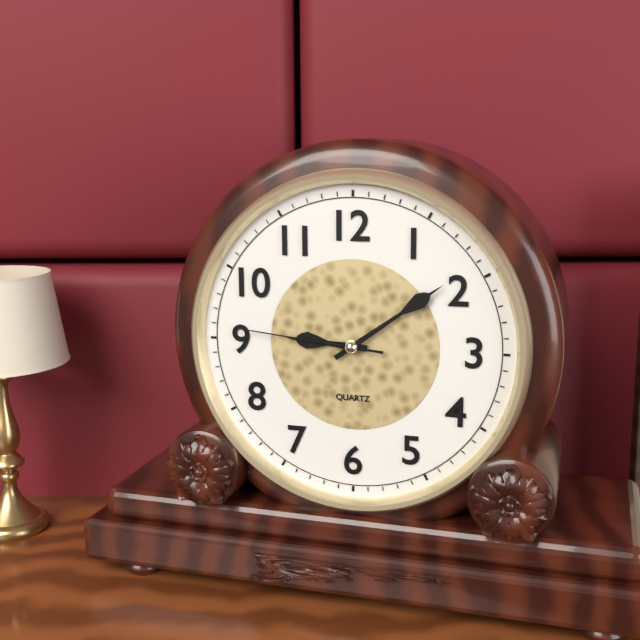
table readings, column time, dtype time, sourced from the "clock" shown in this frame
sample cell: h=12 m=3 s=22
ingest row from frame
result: h=9 m=9 s=46
